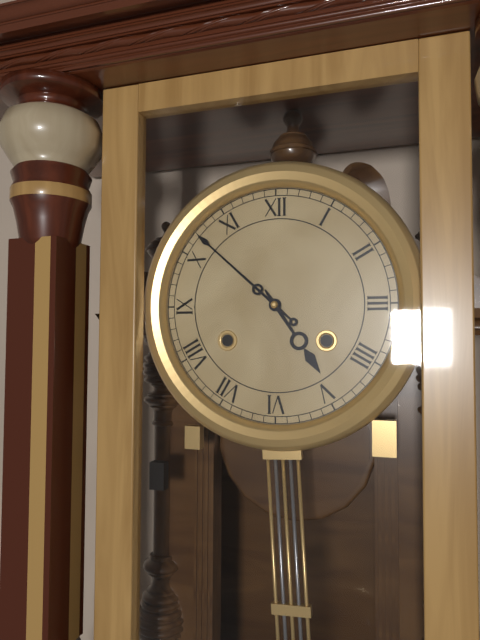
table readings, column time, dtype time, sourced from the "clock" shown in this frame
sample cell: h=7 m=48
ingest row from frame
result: h=4 m=52
